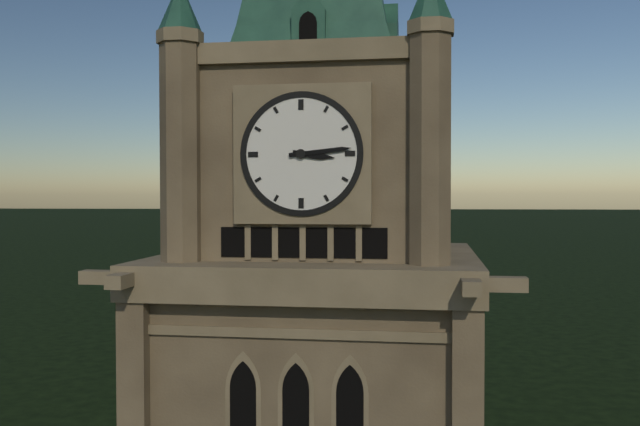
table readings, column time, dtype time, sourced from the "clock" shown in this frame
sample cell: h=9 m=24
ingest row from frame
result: h=3 m=14
